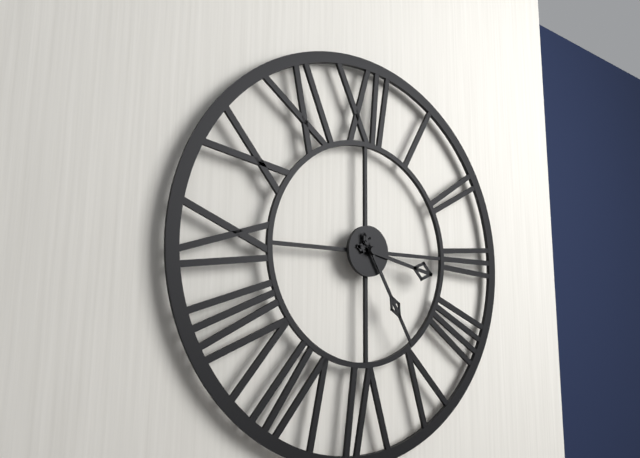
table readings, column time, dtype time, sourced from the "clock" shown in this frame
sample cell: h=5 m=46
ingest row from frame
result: h=3 m=25
